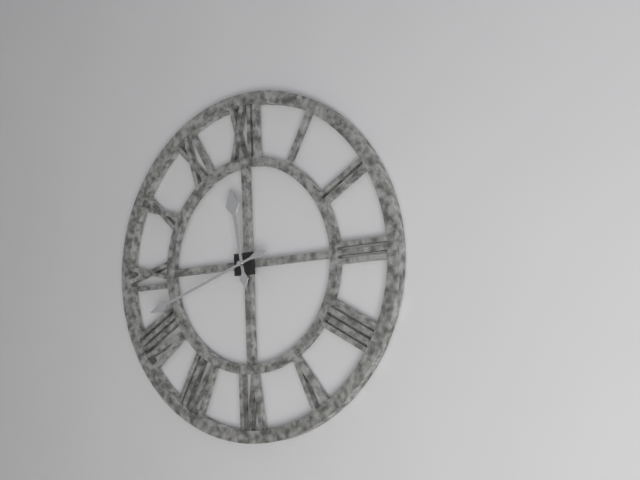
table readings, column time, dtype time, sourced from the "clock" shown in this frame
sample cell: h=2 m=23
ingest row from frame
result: h=11 m=42
